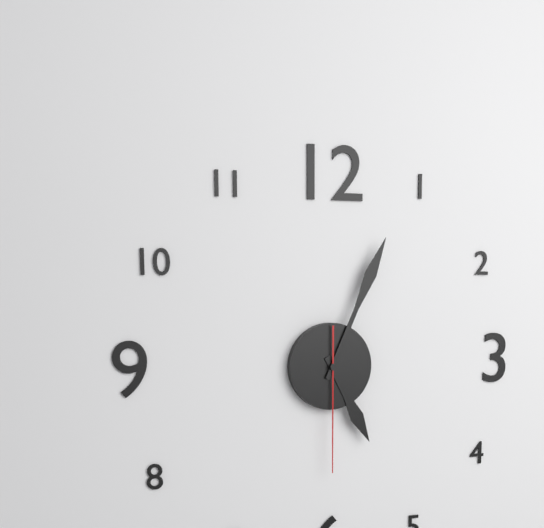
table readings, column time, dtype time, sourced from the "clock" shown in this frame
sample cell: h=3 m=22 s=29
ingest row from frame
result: h=5 m=4 s=30
